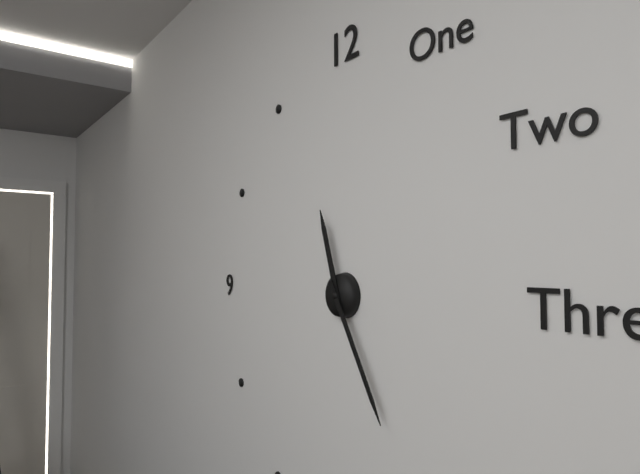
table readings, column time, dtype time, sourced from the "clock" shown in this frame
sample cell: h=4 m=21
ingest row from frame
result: h=11 m=25
